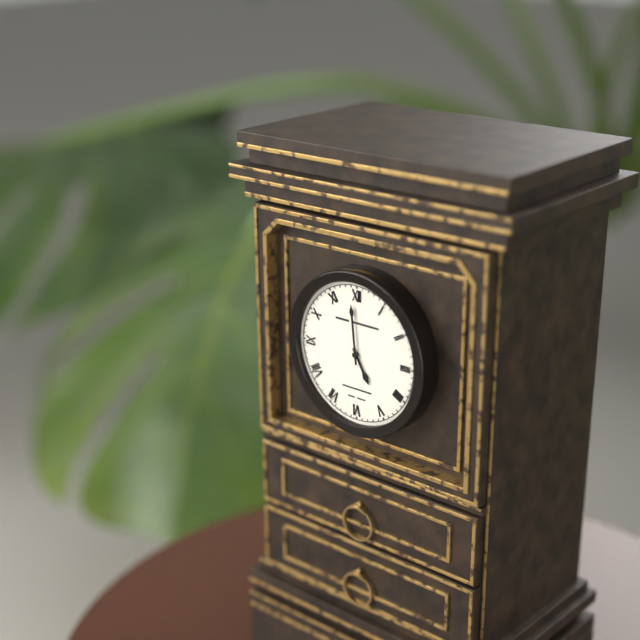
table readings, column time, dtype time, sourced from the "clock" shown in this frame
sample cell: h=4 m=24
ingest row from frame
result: h=4 m=59
